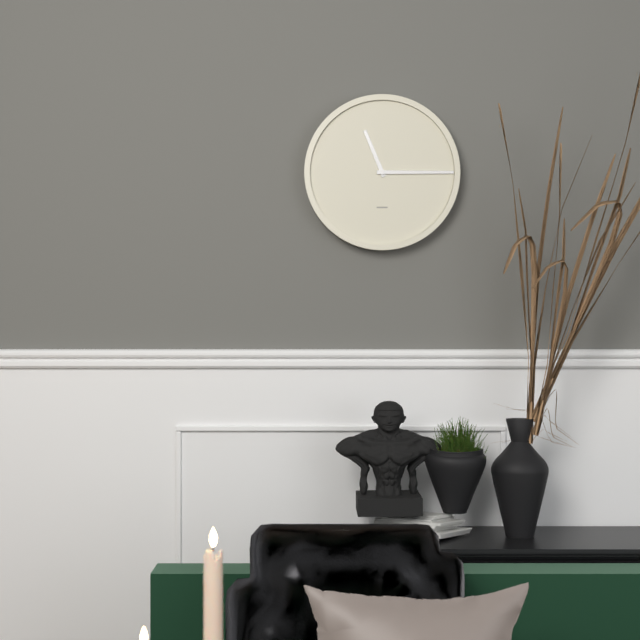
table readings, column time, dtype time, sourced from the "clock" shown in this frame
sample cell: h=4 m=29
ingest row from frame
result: h=11 m=15
